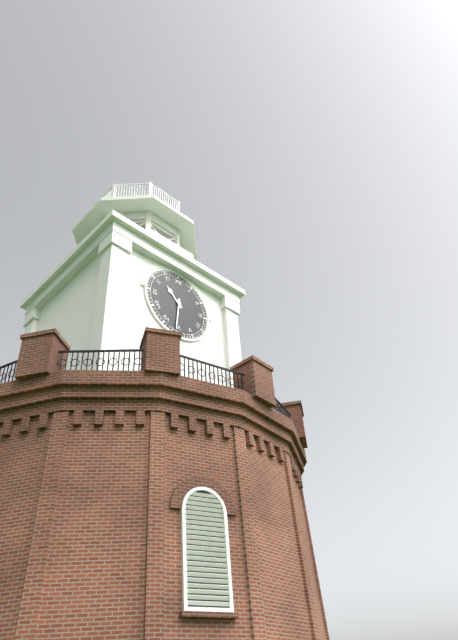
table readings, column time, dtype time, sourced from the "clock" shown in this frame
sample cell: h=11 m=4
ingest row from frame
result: h=10 m=31
